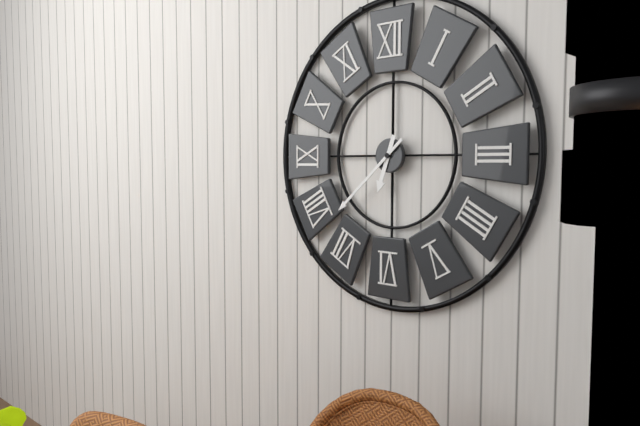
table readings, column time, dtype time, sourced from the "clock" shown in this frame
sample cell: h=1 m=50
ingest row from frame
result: h=6 m=38
